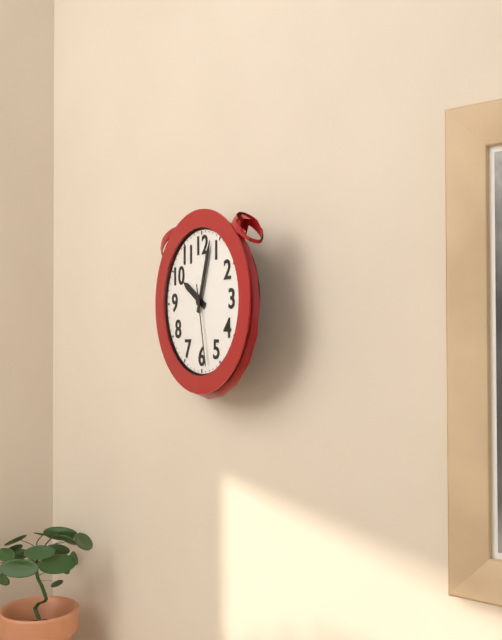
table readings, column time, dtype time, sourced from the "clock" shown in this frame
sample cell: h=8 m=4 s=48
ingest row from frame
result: h=10 m=3 s=28
